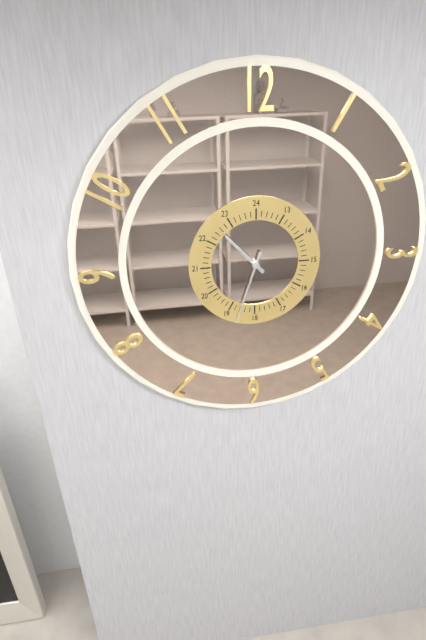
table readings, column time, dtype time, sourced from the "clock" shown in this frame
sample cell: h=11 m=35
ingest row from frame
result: h=10 m=33
